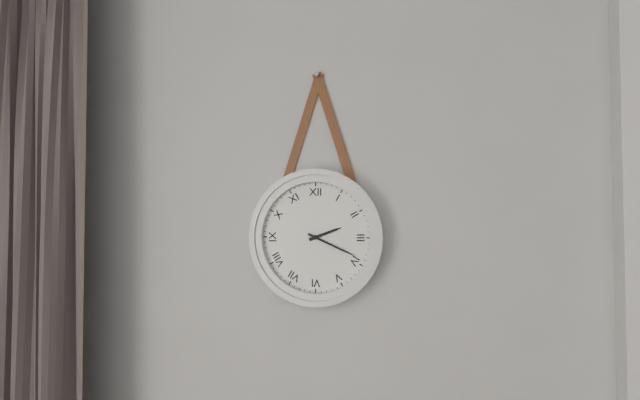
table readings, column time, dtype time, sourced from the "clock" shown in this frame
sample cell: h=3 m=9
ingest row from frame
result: h=2 m=19
